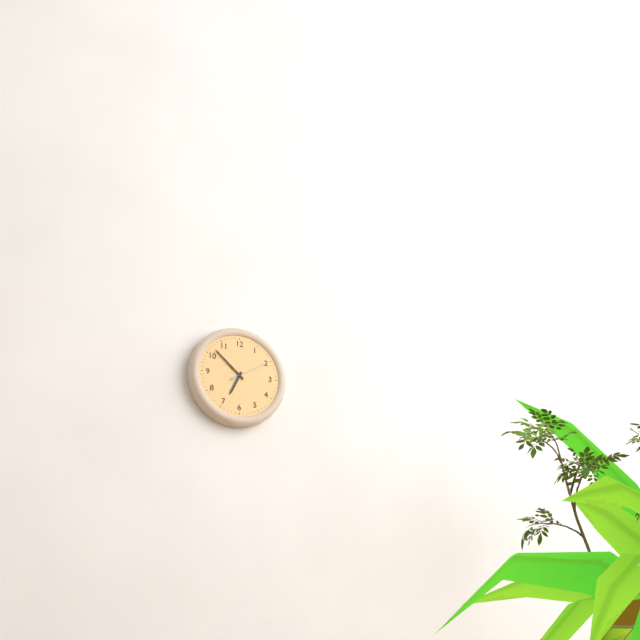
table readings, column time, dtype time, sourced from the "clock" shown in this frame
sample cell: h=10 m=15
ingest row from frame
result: h=6 m=52
